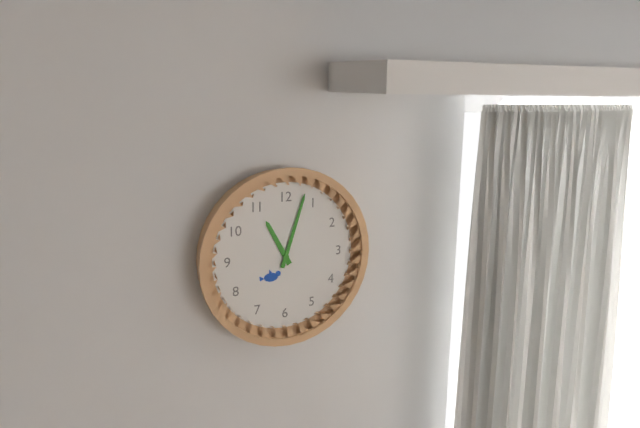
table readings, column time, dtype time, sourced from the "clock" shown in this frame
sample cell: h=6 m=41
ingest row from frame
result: h=11 m=3
